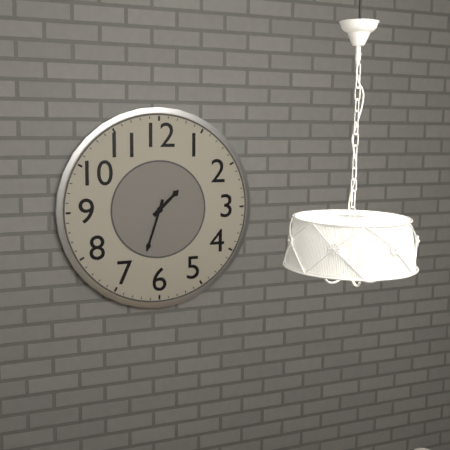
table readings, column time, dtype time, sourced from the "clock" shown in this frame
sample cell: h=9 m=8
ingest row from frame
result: h=1 m=33
